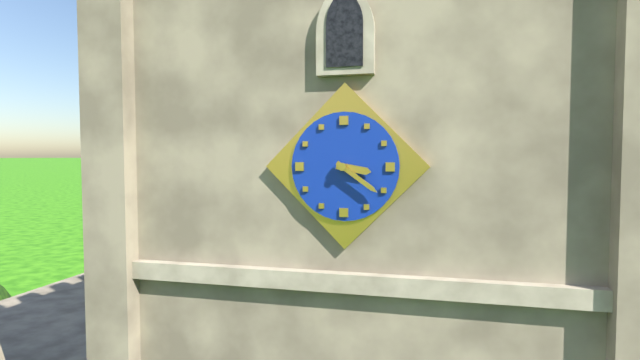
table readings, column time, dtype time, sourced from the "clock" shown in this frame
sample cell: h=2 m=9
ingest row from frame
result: h=3 m=21
